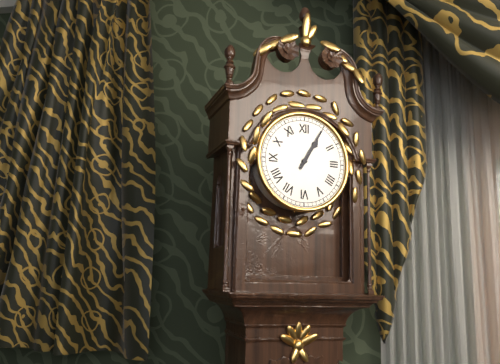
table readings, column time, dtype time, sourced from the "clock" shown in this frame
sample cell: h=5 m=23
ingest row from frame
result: h=1 m=5
